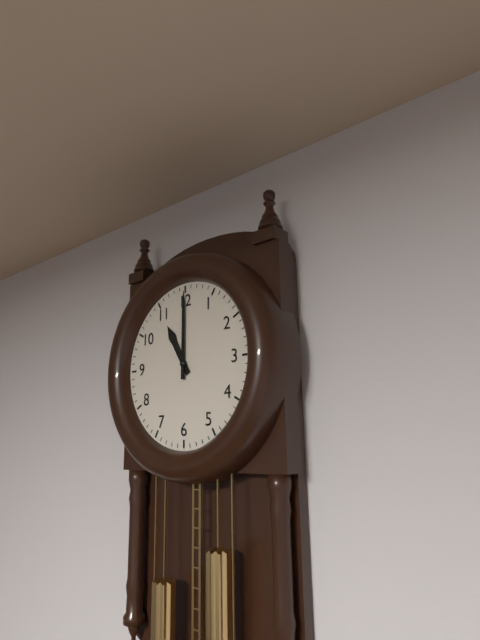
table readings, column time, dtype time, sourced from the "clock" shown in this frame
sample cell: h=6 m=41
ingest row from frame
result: h=11 m=0
